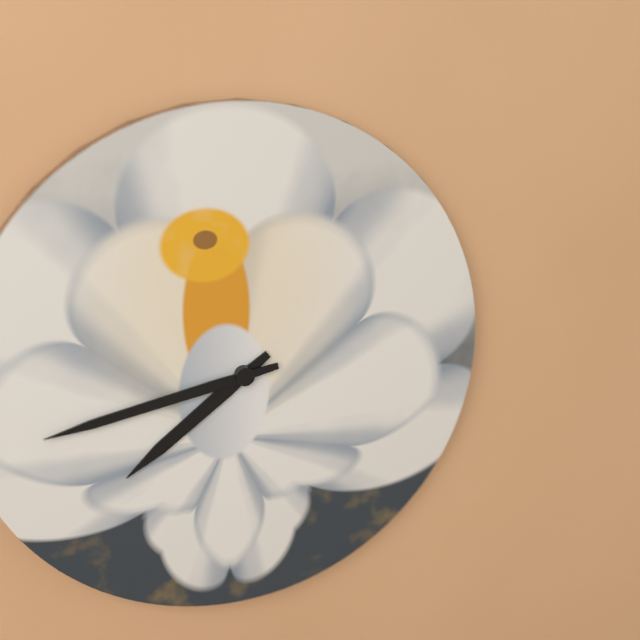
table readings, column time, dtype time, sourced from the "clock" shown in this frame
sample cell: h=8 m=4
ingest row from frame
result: h=7 m=43
